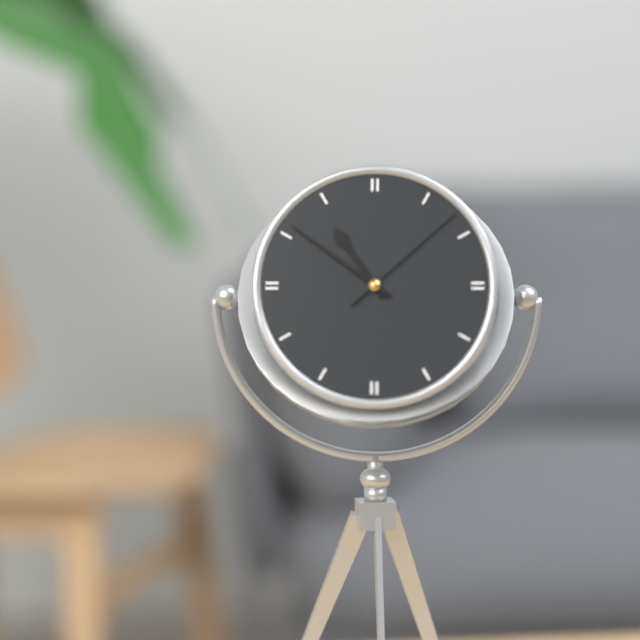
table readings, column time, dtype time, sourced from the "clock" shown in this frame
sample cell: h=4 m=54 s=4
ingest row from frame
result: h=10 m=51 s=8
